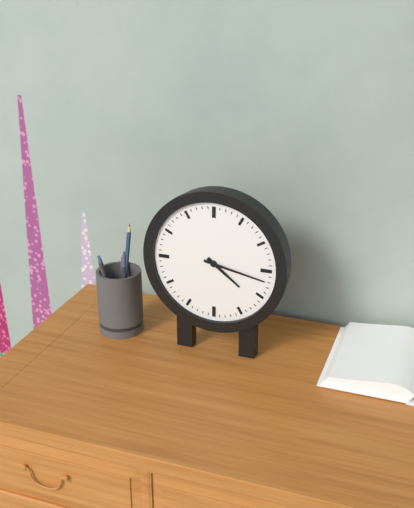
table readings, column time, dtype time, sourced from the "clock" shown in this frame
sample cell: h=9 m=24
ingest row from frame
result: h=4 m=17
